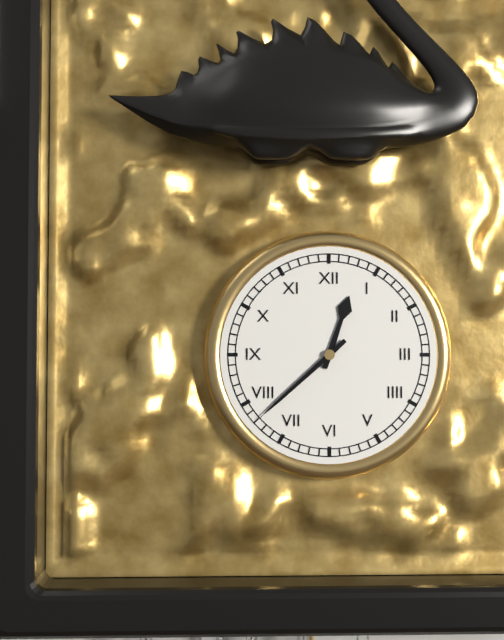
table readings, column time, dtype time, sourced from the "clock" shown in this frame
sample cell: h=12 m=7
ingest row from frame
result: h=12 m=38
